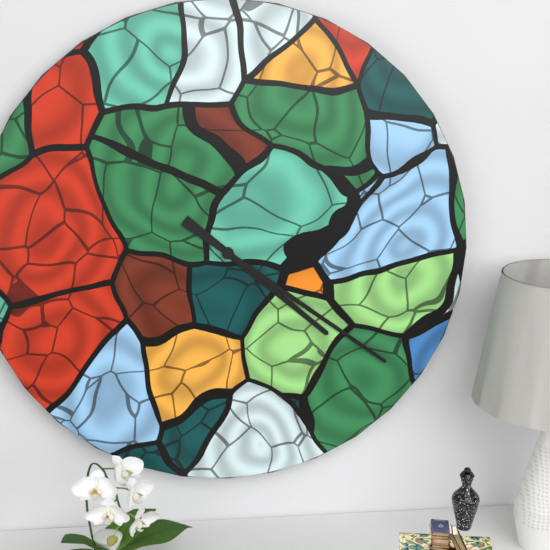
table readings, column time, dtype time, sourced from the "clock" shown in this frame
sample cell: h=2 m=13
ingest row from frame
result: h=4 m=21
